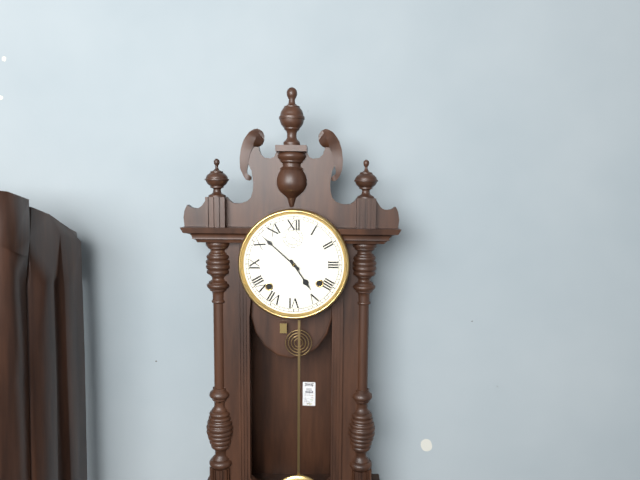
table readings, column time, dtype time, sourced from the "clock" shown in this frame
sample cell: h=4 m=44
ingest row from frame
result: h=4 m=52
